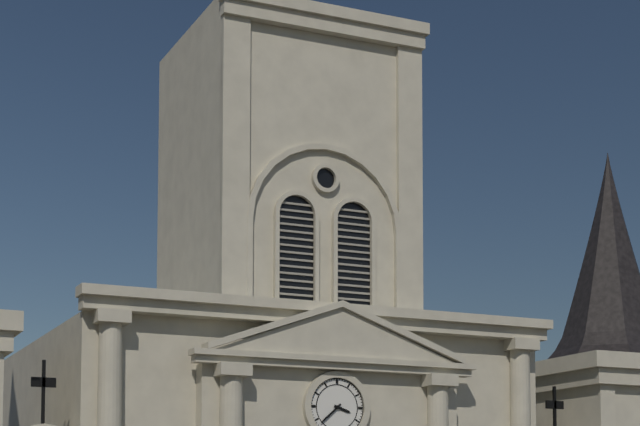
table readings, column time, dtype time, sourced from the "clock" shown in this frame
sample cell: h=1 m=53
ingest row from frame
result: h=3 m=38
